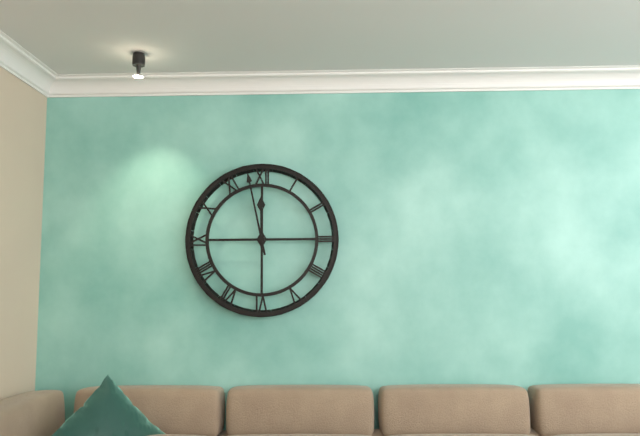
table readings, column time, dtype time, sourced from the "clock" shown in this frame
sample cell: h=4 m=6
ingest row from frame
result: h=11 m=58
